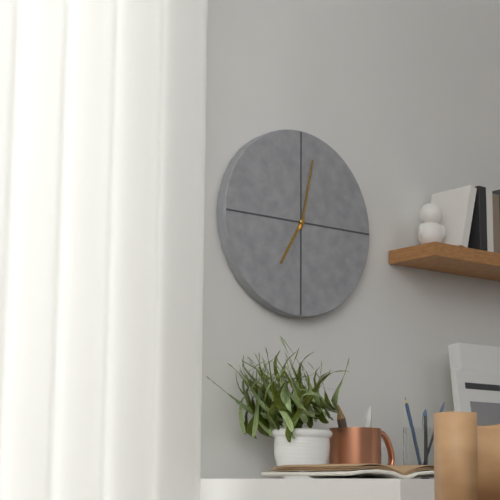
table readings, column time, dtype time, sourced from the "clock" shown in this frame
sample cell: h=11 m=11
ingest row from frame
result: h=7 m=2
